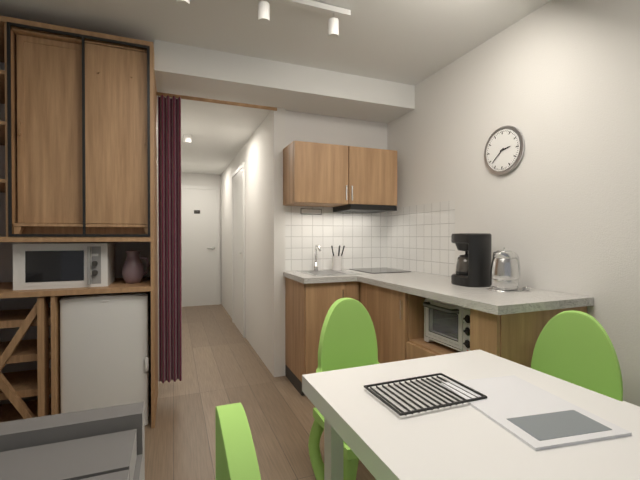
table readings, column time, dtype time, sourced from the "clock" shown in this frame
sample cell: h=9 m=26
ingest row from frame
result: h=2 m=38
